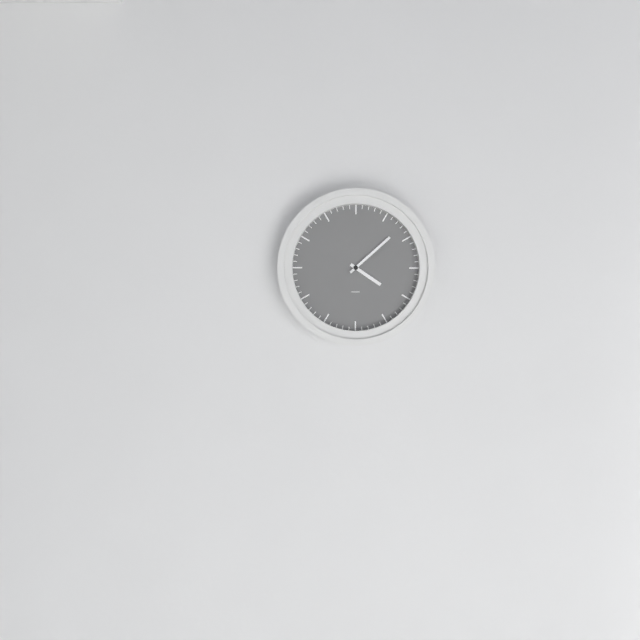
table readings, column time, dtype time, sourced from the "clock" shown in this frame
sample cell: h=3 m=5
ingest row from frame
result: h=4 m=8
